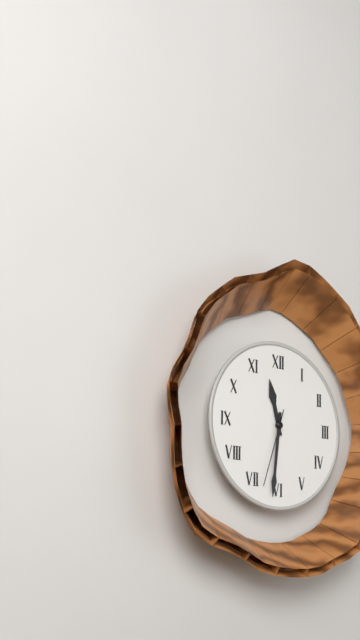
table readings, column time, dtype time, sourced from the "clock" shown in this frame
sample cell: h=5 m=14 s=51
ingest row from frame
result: h=11 m=31 s=33
